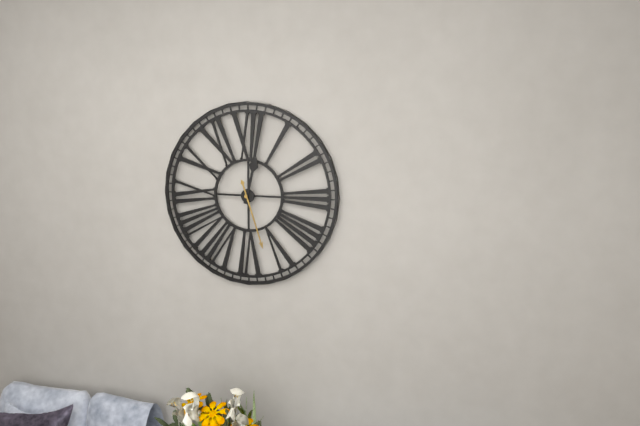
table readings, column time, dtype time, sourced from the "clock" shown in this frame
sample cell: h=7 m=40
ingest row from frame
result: h=12 m=27
